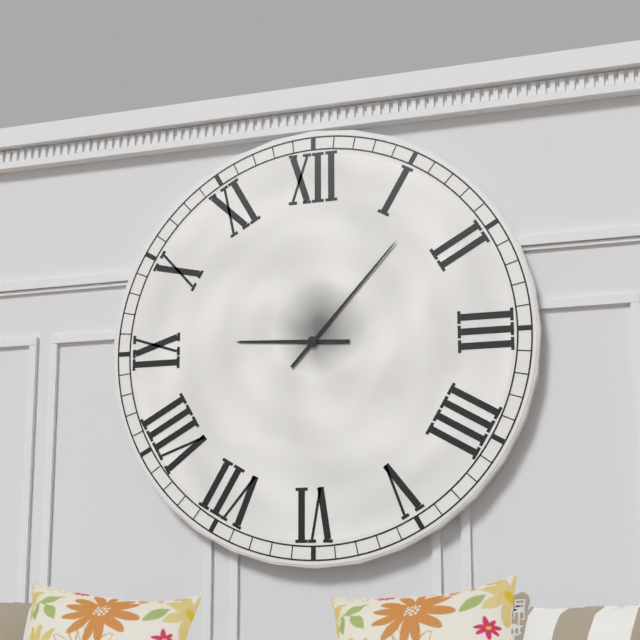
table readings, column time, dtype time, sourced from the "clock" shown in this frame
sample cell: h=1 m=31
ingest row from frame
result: h=9 m=7
